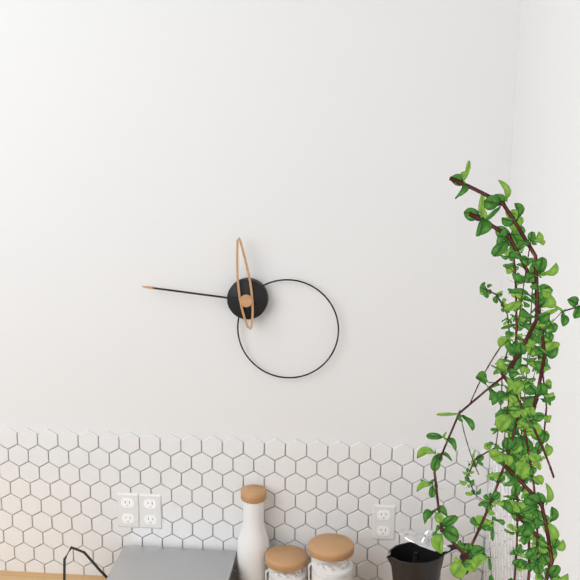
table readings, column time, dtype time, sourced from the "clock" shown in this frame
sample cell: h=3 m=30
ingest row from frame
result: h=11 m=46
